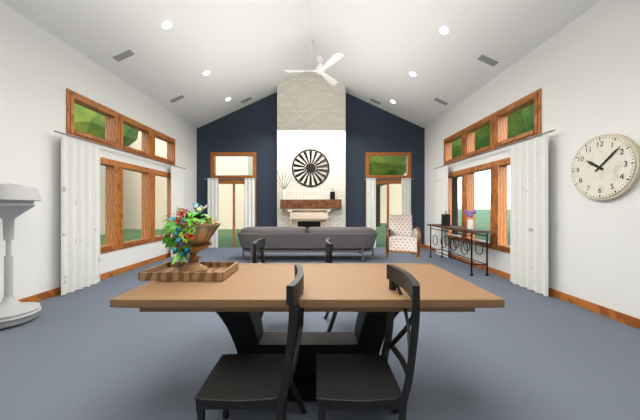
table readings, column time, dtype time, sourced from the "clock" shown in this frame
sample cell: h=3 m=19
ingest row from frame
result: h=10 m=8
